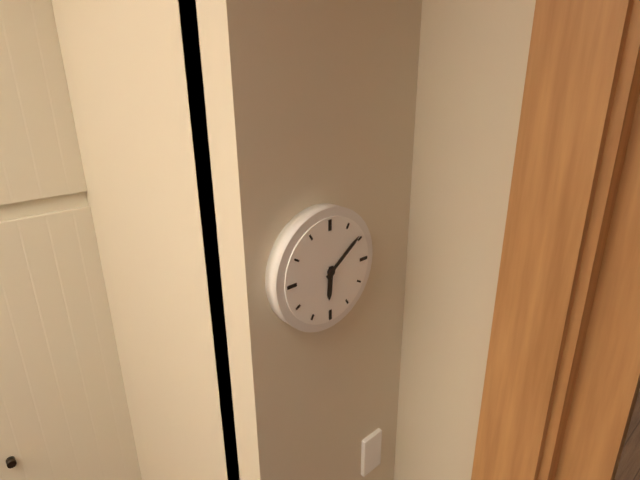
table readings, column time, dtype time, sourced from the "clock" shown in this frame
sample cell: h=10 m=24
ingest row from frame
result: h=6 m=9
